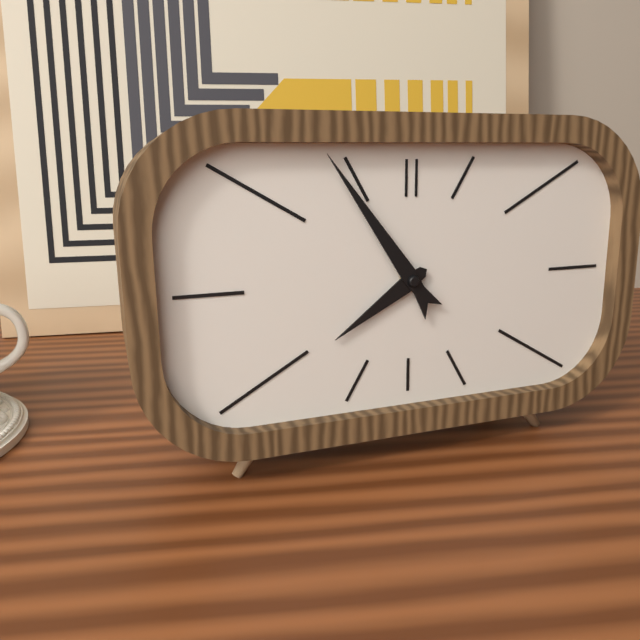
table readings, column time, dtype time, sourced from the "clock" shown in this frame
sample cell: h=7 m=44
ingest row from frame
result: h=7 m=54
